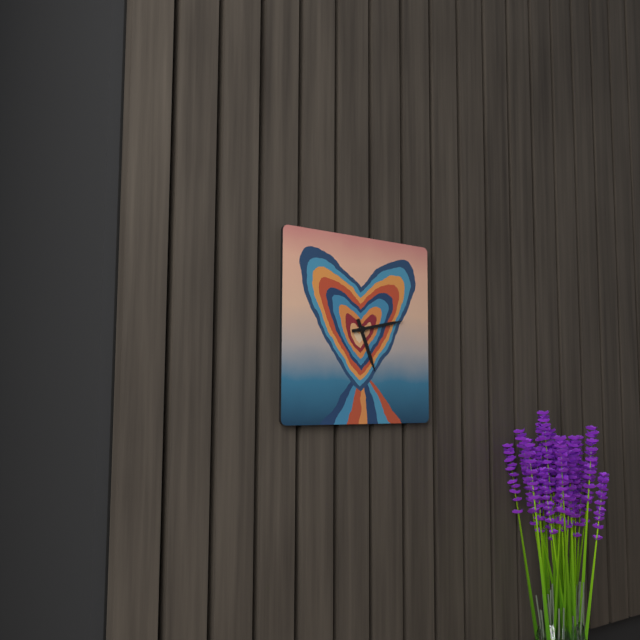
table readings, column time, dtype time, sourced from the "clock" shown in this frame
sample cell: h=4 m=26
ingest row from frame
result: h=5 m=13
